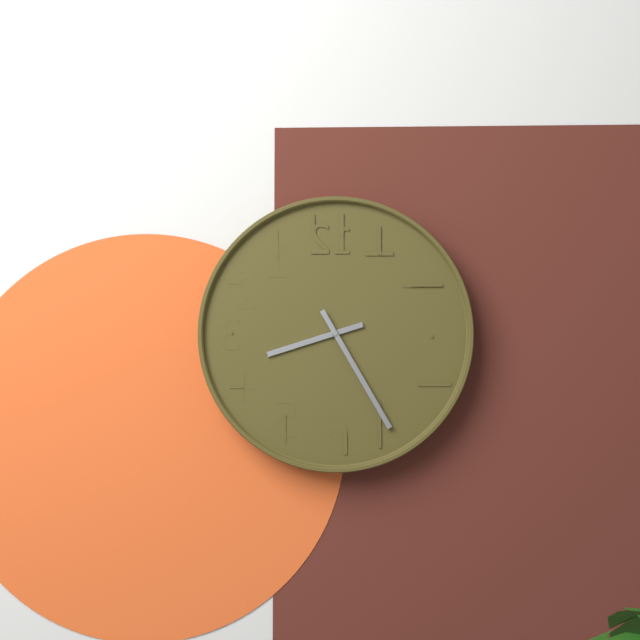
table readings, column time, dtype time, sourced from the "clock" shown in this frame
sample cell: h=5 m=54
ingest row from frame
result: h=8 m=25
